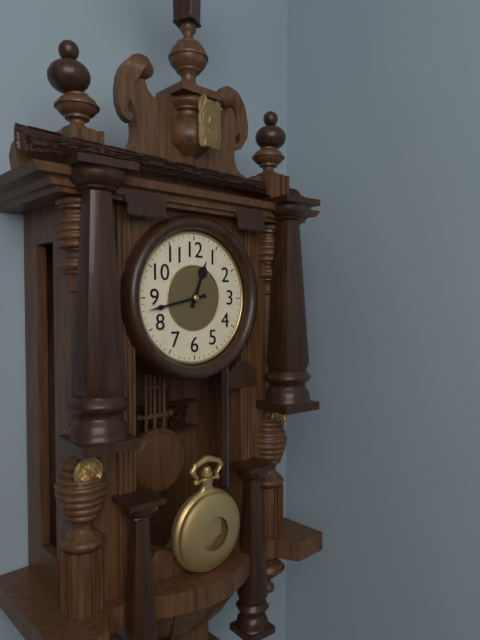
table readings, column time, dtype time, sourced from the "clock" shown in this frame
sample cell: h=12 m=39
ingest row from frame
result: h=12 m=43
